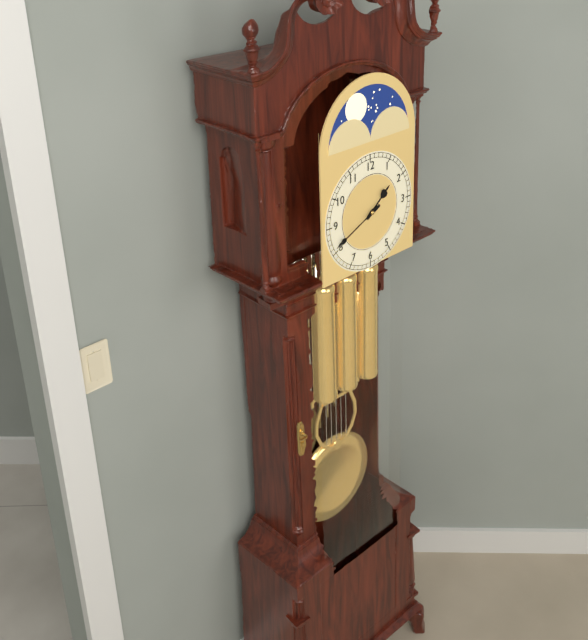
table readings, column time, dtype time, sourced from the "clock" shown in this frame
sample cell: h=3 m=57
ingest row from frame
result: h=1 m=41
